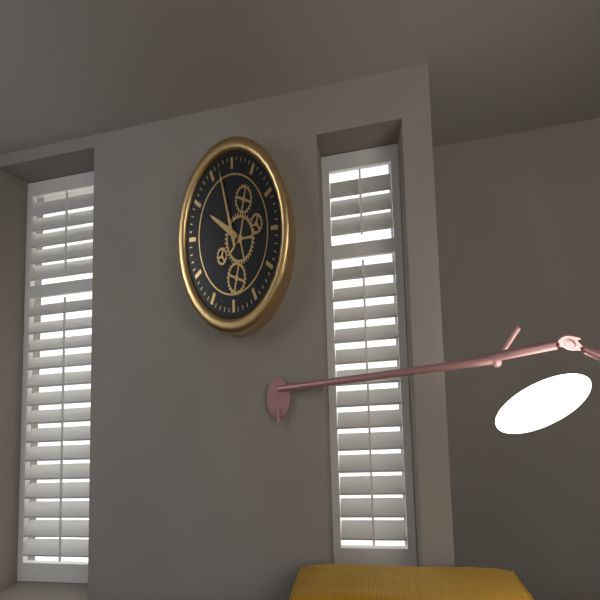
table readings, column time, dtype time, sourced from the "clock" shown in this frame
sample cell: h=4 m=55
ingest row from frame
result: h=9 m=57
